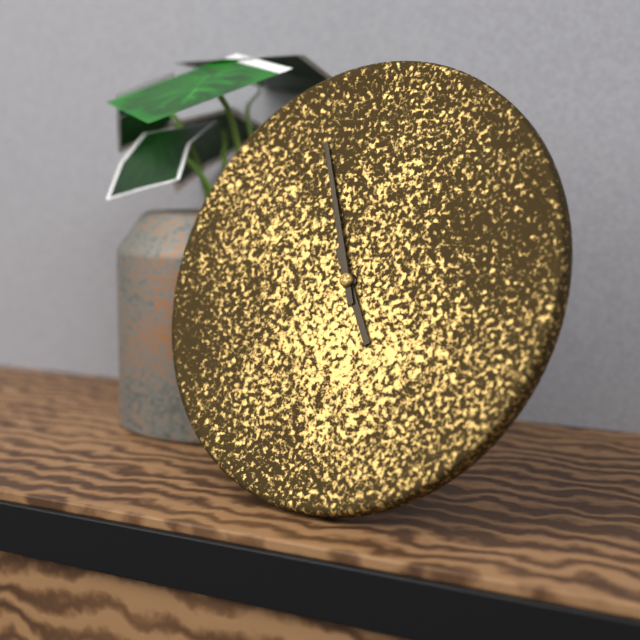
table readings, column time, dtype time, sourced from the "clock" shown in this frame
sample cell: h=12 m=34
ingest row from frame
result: h=4 m=56
